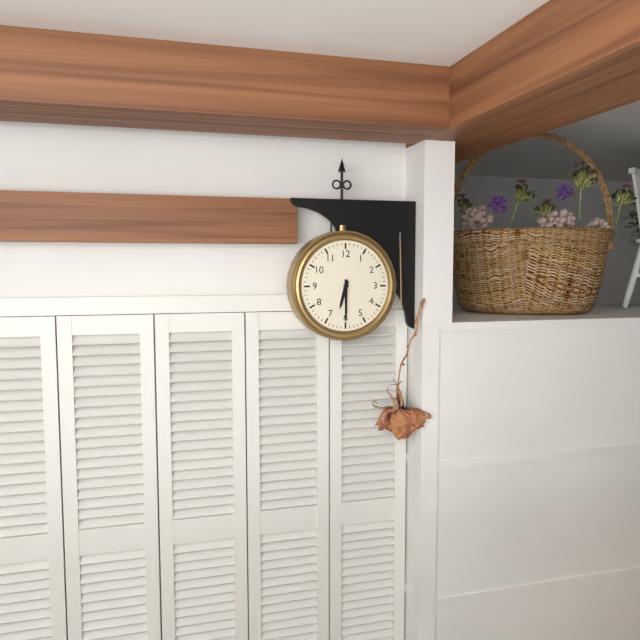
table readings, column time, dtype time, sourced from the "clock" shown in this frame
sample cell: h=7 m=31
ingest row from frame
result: h=6 m=30
